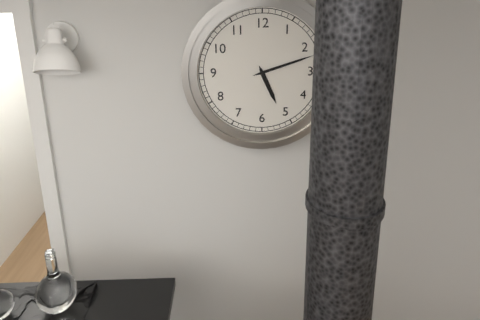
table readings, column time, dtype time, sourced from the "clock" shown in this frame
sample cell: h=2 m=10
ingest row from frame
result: h=5 m=12
